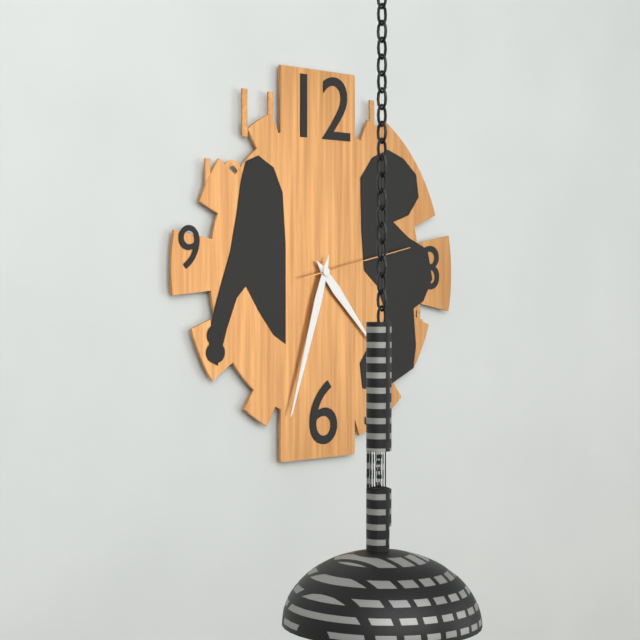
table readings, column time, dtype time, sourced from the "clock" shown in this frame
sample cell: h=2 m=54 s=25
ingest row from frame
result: h=4 m=33 s=13
